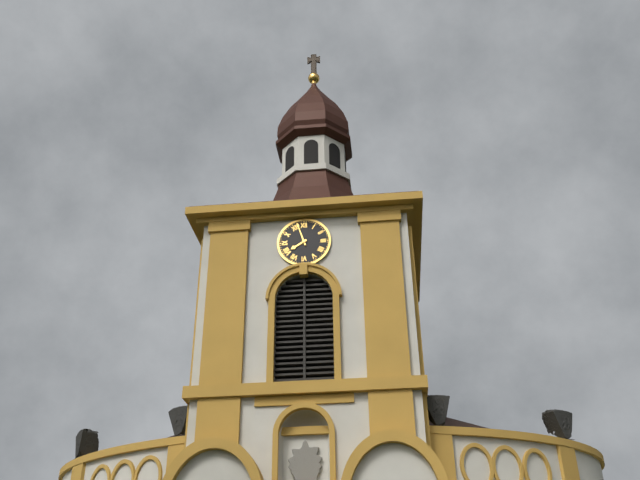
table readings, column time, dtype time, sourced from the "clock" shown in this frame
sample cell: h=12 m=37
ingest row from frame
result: h=7 m=57
